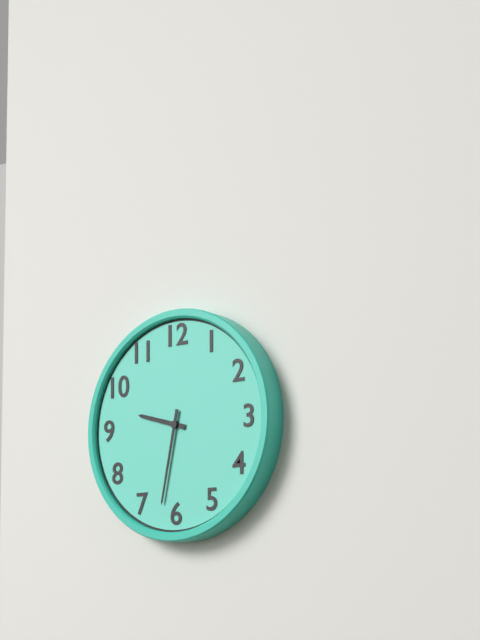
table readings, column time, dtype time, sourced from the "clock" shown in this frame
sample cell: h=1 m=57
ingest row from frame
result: h=9 m=32
